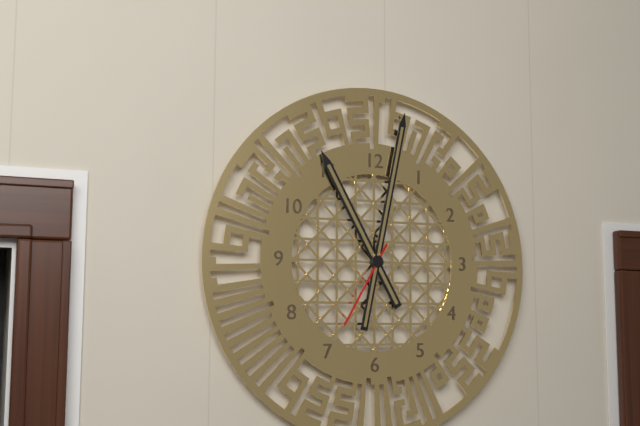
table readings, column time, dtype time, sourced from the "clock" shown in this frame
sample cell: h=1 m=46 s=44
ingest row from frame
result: h=11 m=2 s=35
